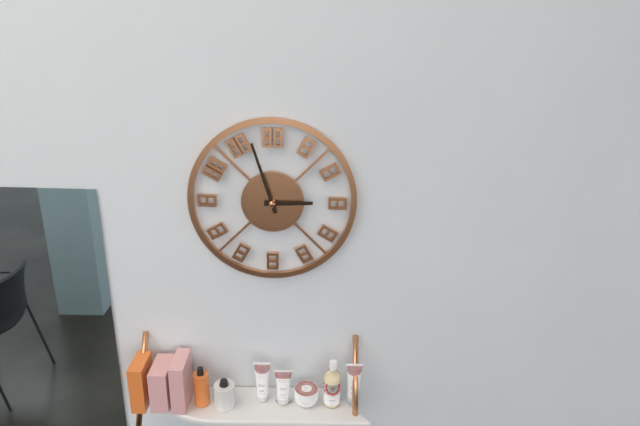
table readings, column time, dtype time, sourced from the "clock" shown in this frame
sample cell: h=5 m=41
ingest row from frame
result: h=2 m=57
